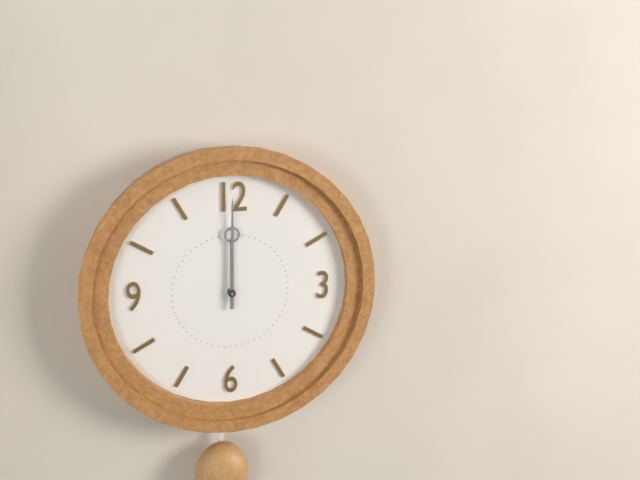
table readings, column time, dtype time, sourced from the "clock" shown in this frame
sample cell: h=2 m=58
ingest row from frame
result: h=12 m=0
